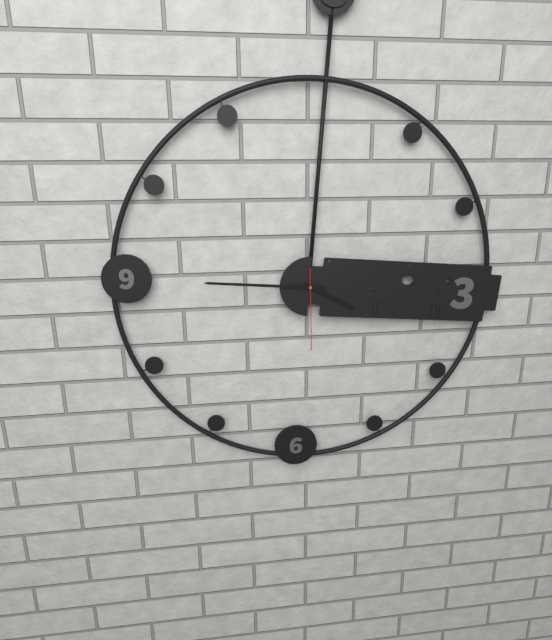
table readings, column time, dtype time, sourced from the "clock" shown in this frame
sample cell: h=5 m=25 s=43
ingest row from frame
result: h=3 m=45 s=29
